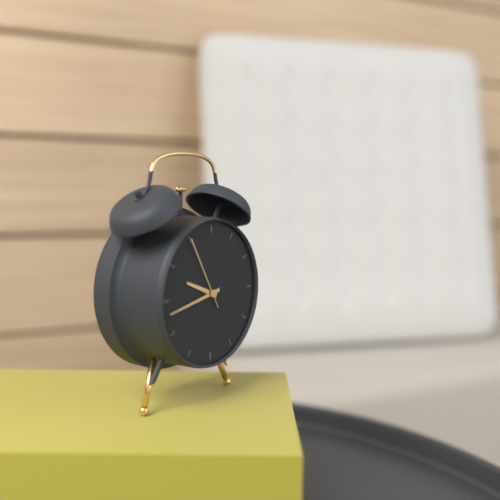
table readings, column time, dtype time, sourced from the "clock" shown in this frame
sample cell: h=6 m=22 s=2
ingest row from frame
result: h=9 m=43 s=55
